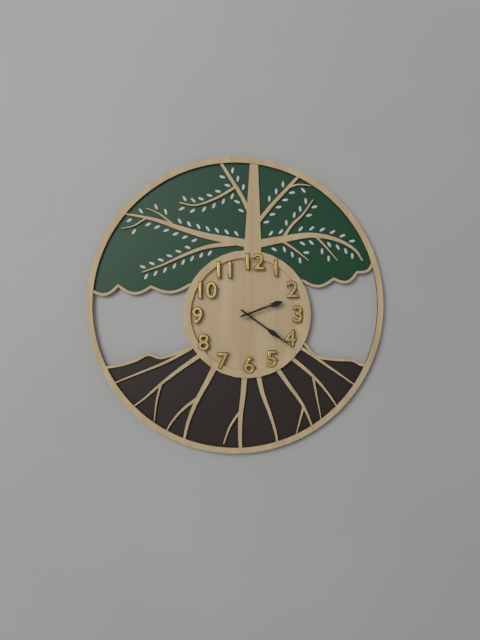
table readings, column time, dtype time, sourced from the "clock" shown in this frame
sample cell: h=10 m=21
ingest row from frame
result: h=2 m=21
